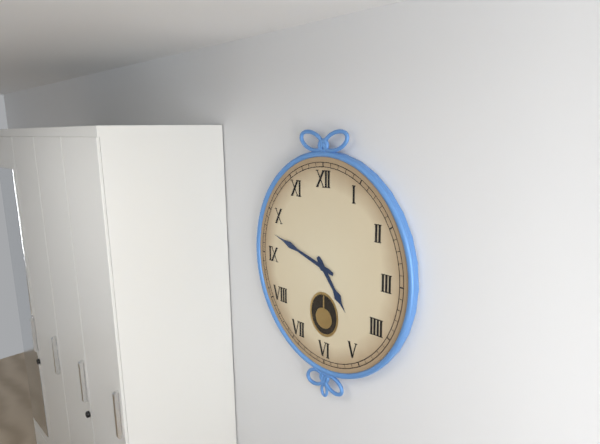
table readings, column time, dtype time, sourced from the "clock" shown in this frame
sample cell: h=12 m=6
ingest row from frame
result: h=4 m=48
